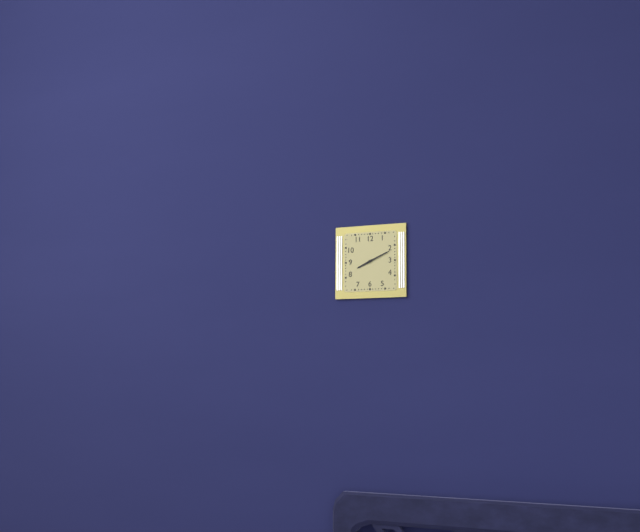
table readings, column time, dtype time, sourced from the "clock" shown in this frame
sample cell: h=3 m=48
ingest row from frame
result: h=8 m=11
